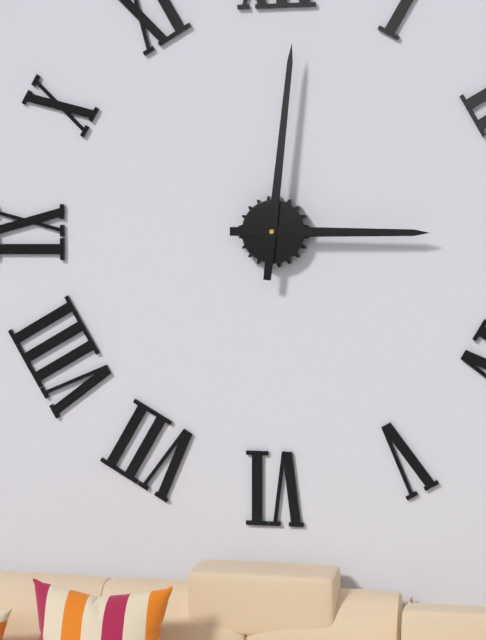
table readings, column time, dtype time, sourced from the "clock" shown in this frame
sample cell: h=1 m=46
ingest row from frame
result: h=3 m=1
